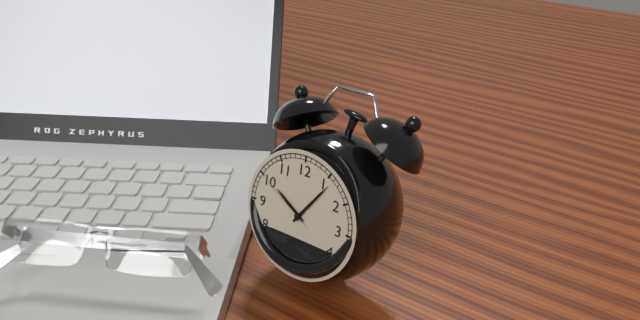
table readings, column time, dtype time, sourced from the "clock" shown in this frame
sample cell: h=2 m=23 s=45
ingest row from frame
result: h=10 m=6 s=50
